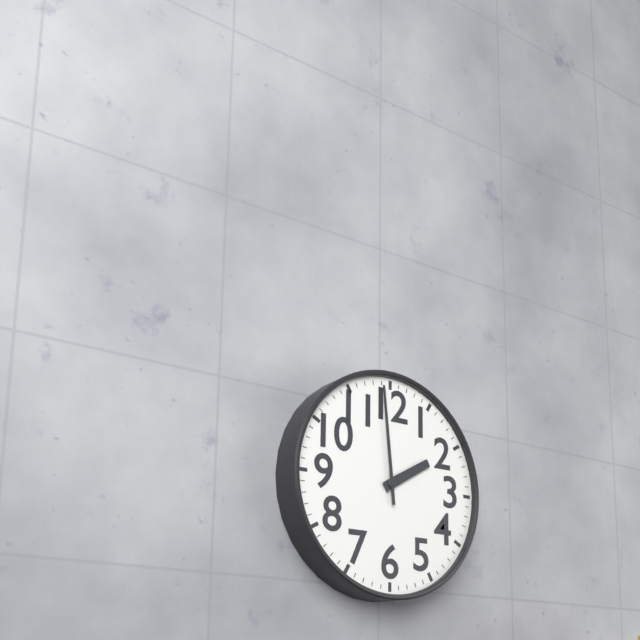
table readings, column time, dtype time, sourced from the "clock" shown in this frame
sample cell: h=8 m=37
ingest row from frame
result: h=1 m=59
